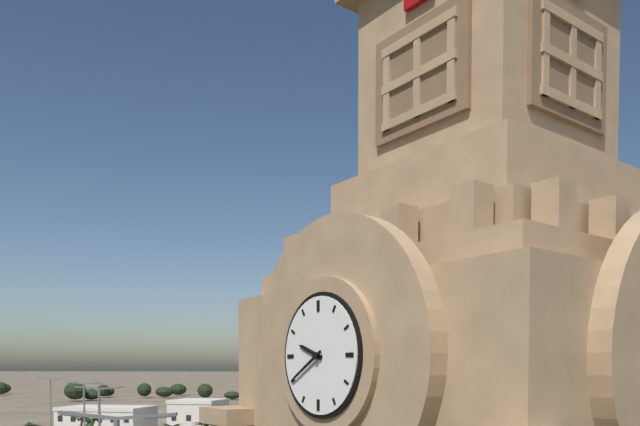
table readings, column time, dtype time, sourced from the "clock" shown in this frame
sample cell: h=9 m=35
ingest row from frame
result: h=9 m=40
